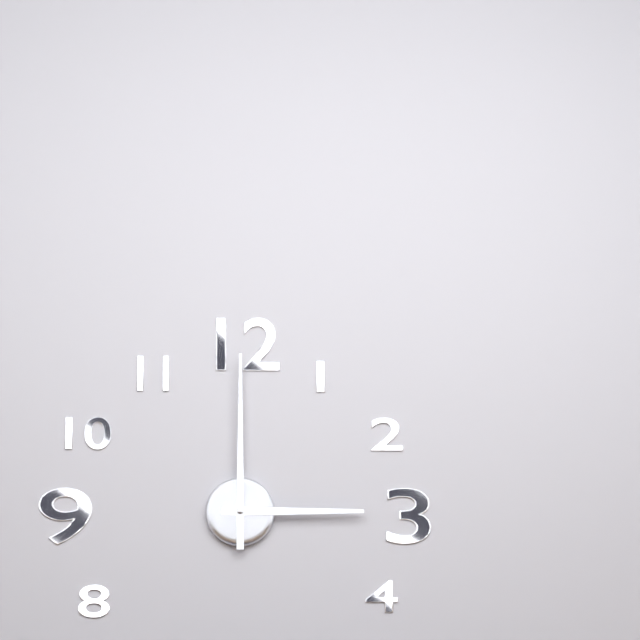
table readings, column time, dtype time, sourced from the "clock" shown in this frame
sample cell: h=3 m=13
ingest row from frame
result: h=3 m=0
